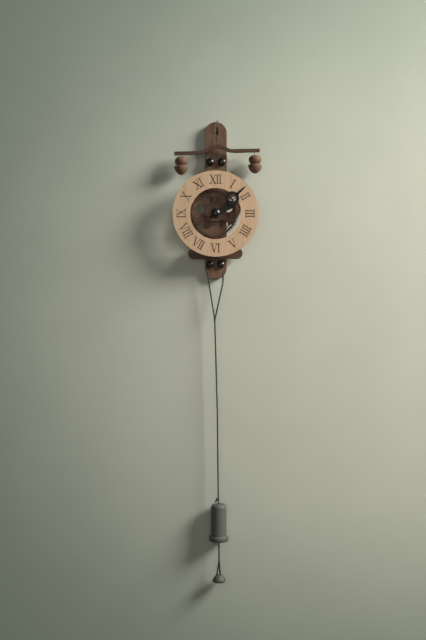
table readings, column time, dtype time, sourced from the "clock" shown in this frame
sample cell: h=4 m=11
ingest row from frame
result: h=2 m=8
